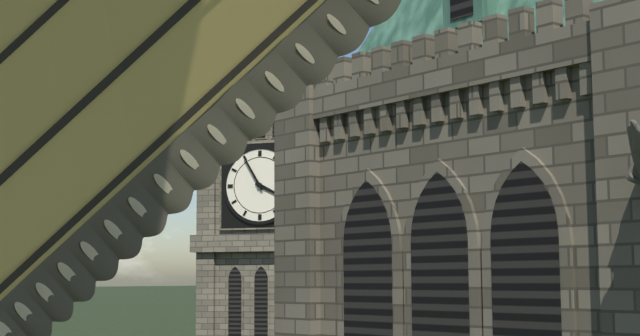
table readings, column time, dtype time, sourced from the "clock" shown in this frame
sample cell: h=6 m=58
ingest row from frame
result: h=3 m=55
